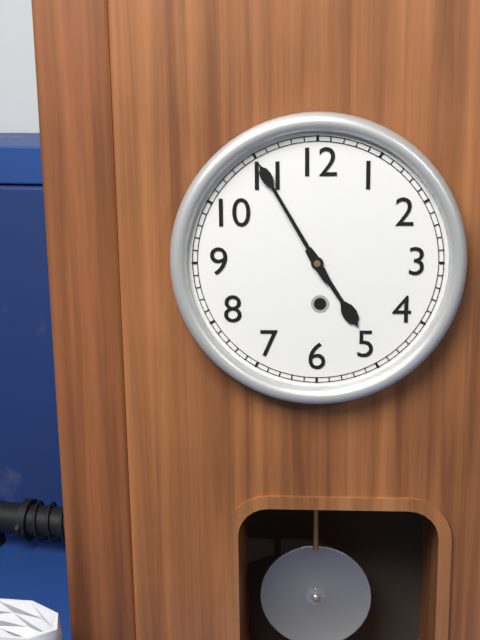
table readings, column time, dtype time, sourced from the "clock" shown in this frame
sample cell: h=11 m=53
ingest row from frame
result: h=4 m=55
